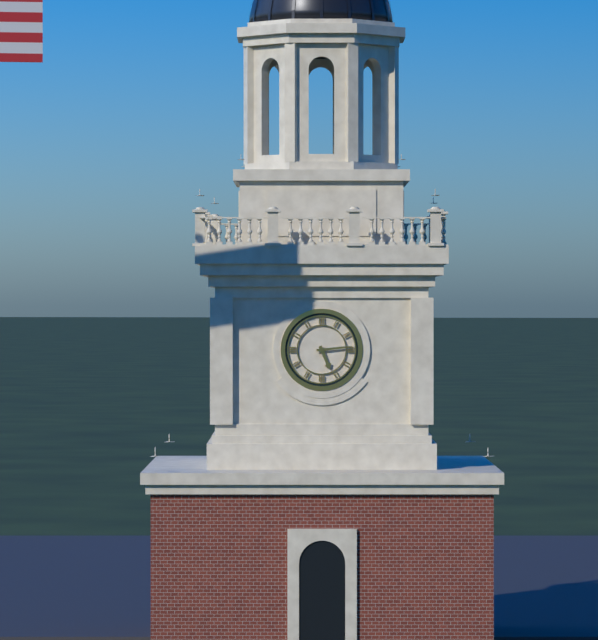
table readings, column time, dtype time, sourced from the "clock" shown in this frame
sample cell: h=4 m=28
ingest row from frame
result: h=5 m=14
